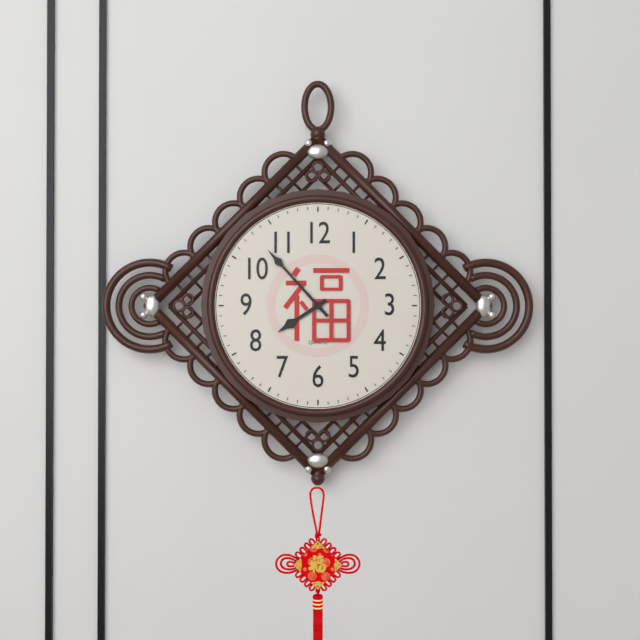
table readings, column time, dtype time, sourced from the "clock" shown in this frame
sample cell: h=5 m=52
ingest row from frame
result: h=7 m=53
